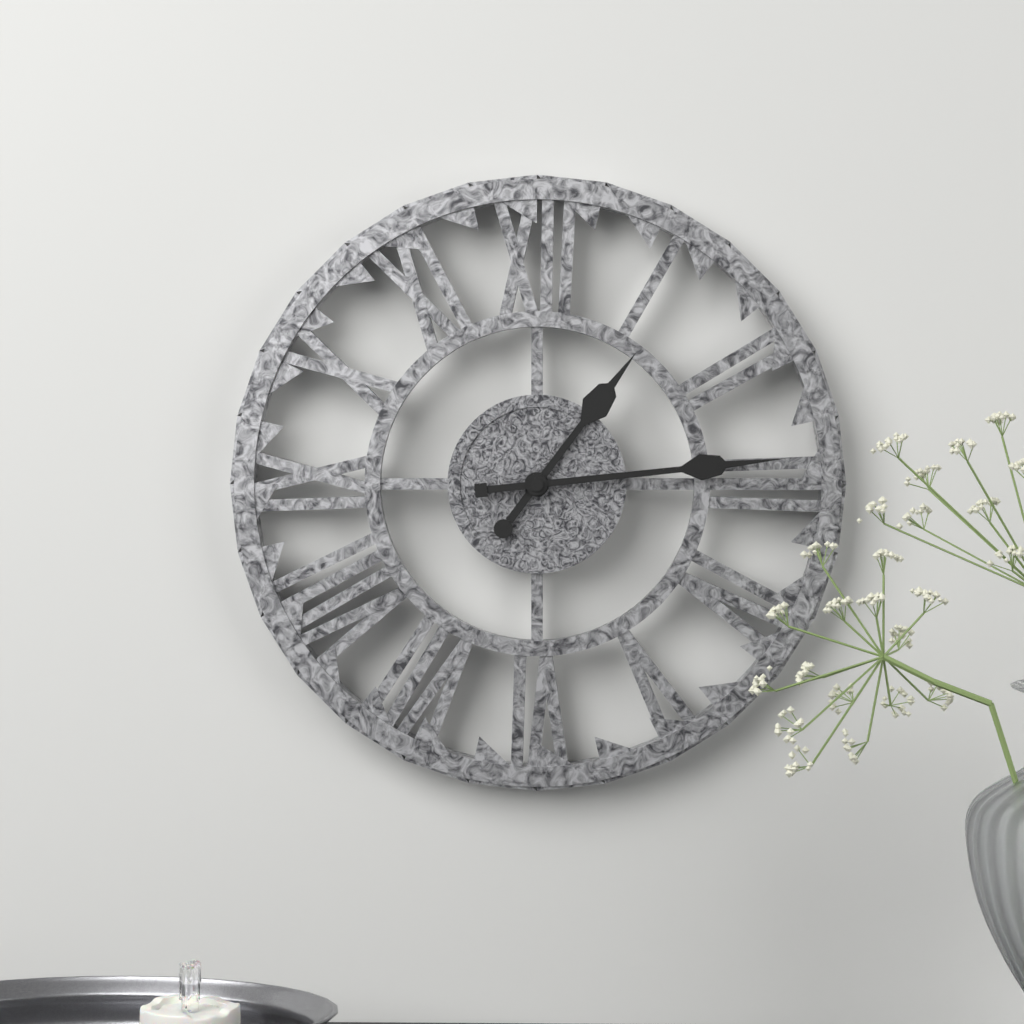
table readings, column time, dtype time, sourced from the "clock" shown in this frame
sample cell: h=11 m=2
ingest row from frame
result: h=1 m=14
